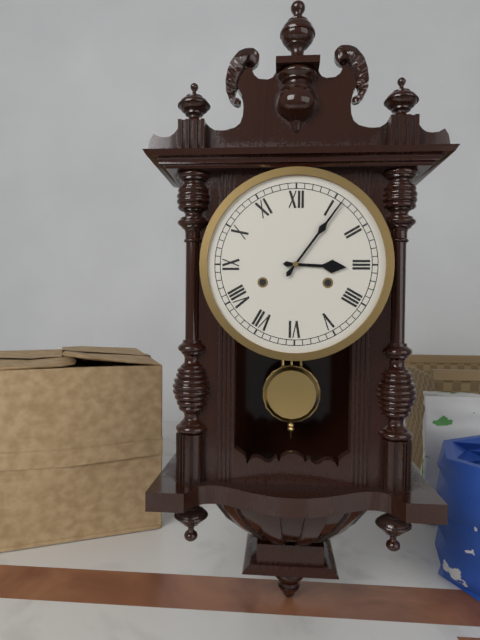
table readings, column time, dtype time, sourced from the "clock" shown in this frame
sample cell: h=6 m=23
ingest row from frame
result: h=3 m=6
